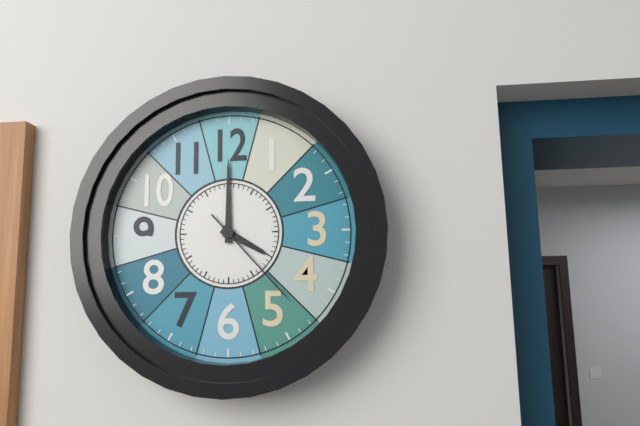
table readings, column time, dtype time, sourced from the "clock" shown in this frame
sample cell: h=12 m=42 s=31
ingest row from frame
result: h=4 m=0 s=23
